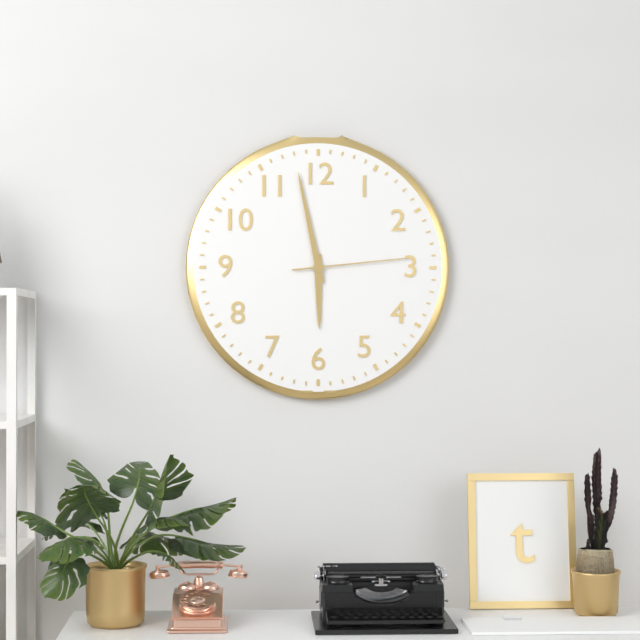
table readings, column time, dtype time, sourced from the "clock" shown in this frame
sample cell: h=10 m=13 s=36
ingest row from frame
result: h=5 m=58 s=14
